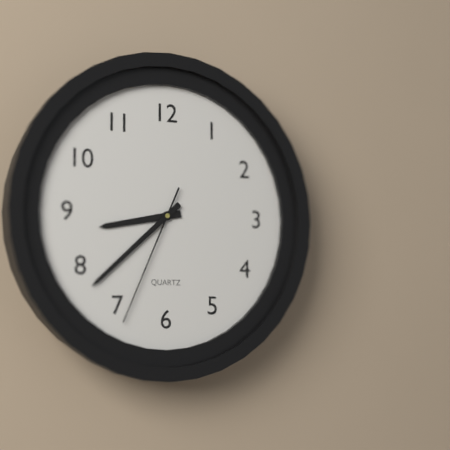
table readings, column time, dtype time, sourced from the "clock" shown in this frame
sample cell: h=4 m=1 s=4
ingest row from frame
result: h=8 m=38 s=34
